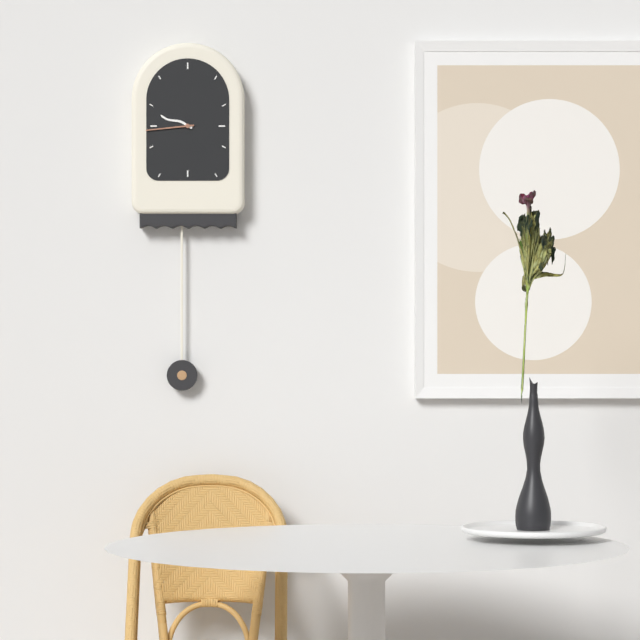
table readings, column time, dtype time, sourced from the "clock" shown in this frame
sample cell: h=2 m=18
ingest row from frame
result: h=9 m=44
